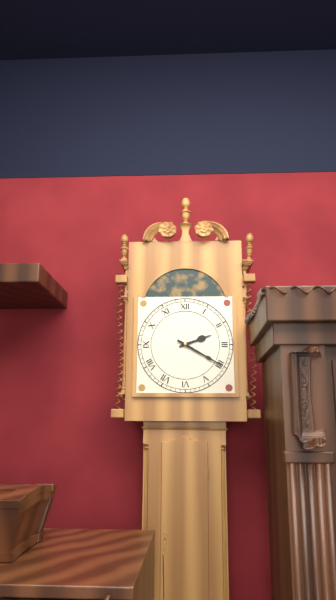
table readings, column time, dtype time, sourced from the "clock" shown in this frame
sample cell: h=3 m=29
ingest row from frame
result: h=2 m=20
